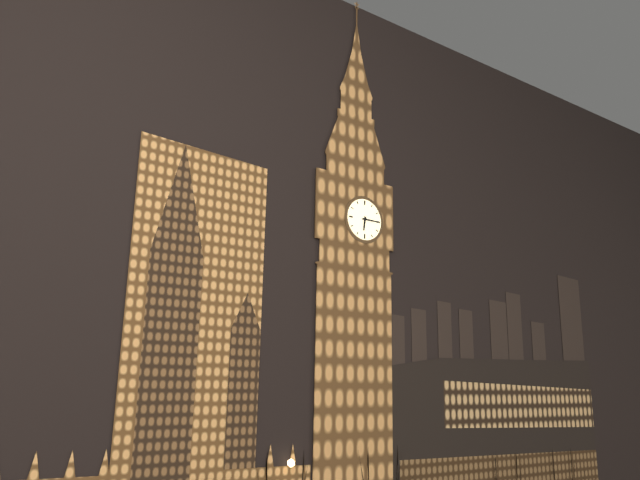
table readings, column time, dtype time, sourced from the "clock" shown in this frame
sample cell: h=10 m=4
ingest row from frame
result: h=6 m=15
